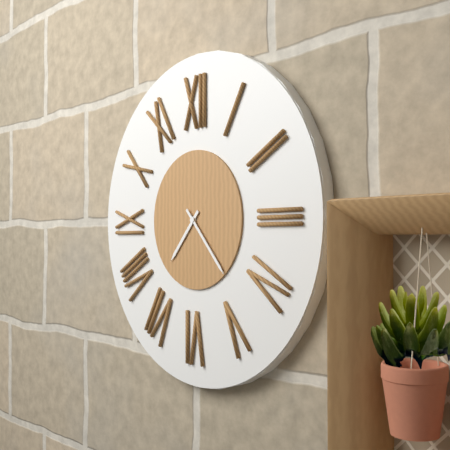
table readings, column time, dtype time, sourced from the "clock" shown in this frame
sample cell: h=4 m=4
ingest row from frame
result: h=7 m=23
